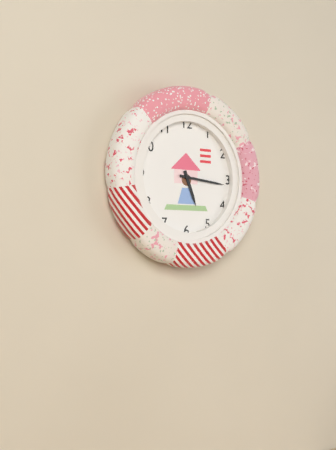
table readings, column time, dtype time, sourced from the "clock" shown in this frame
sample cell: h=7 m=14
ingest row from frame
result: h=5 m=16
